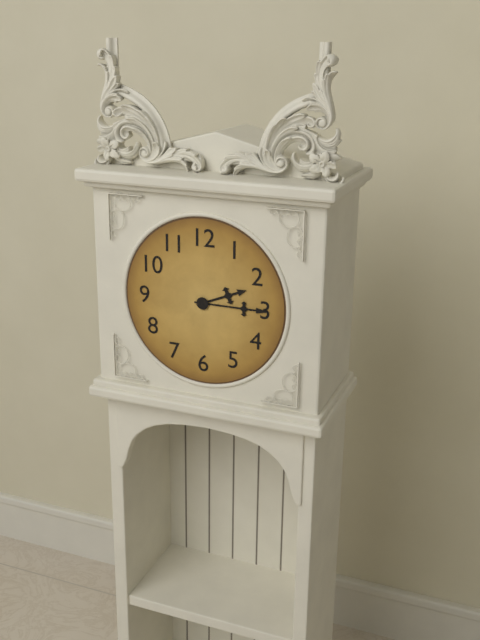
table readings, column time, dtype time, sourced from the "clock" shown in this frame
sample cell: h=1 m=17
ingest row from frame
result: h=2 m=15
